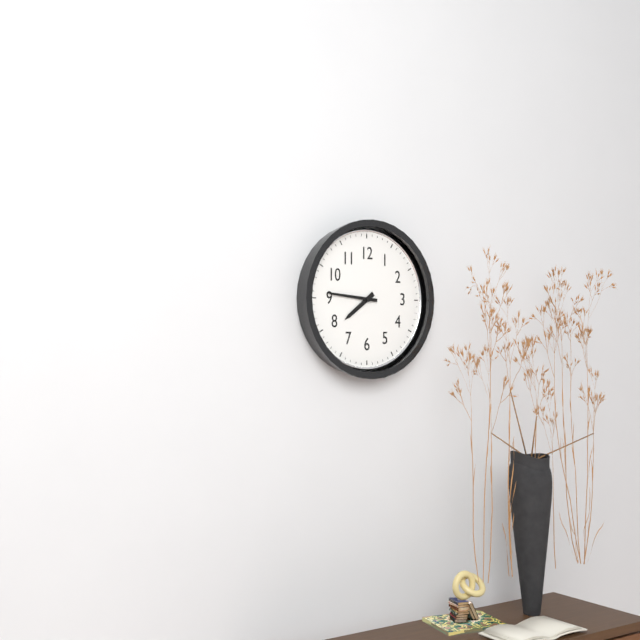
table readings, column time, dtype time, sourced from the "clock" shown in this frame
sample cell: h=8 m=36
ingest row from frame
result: h=7 m=46
